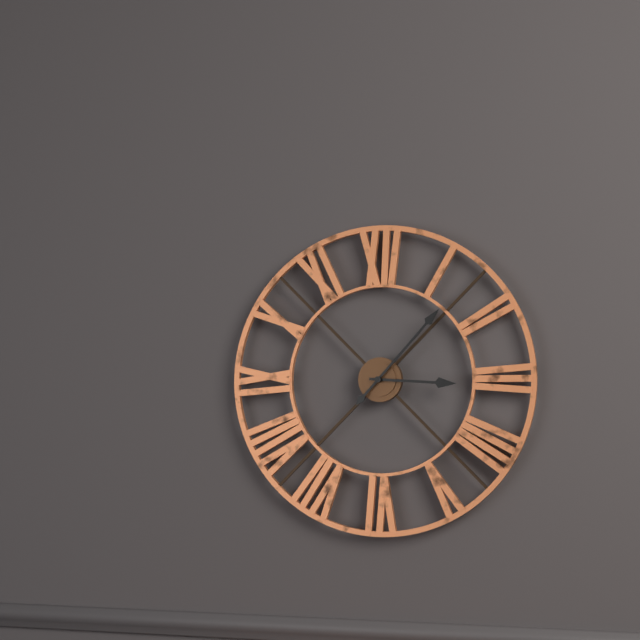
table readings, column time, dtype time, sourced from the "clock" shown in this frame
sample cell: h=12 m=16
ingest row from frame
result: h=3 m=7
